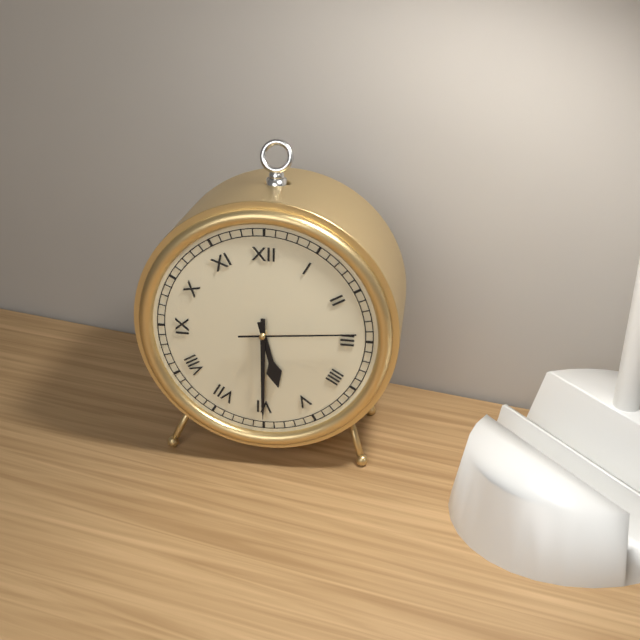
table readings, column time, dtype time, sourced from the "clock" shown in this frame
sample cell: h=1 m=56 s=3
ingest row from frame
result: h=5 m=30 s=14
